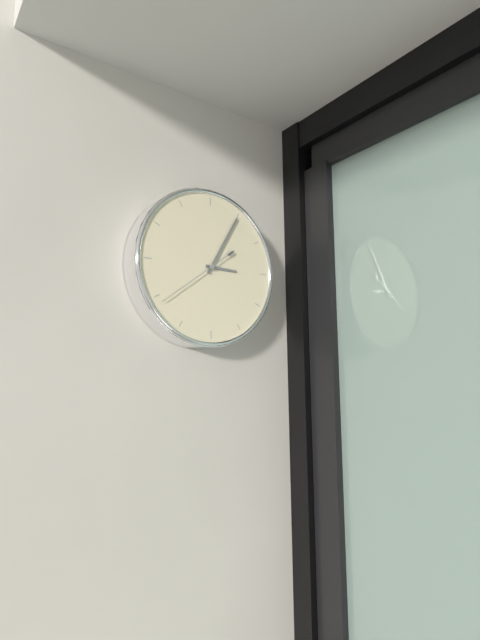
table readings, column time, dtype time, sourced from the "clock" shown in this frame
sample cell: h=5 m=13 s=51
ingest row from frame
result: h=3 m=5 s=39
